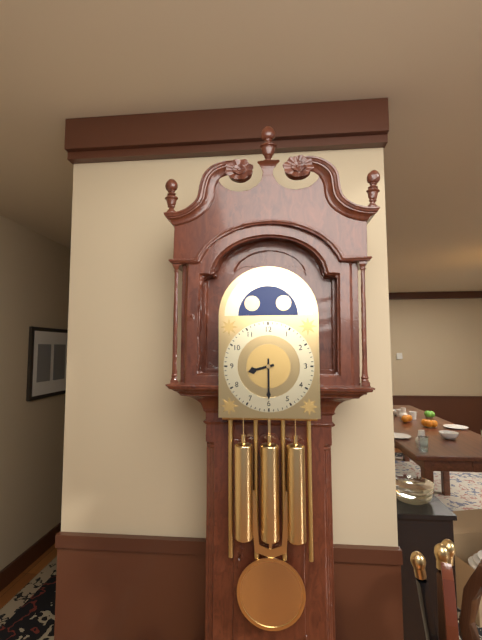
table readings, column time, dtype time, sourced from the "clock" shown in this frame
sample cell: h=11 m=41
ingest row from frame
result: h=8 m=30
